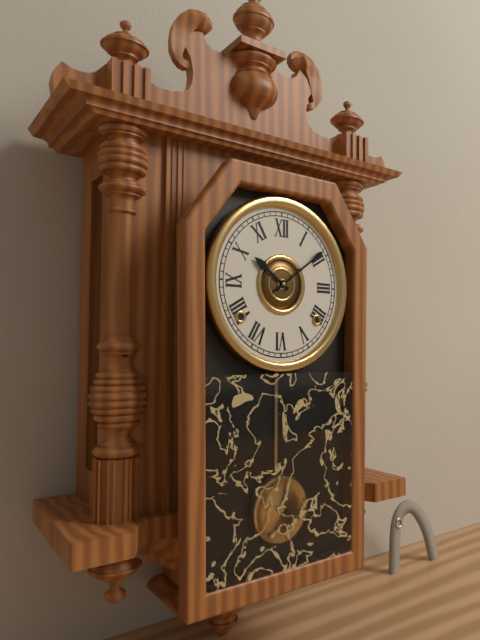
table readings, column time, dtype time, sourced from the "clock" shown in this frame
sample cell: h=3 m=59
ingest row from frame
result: h=10 m=9
